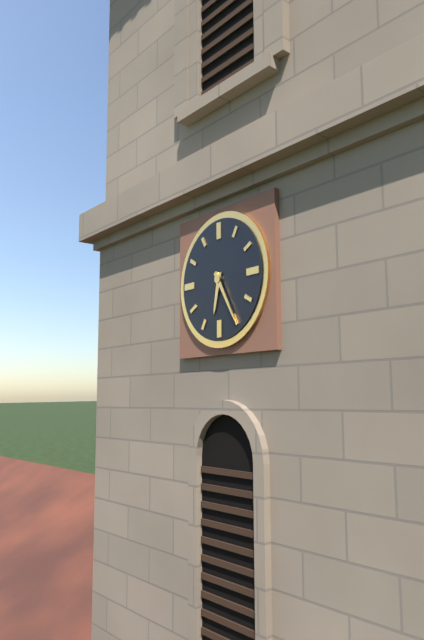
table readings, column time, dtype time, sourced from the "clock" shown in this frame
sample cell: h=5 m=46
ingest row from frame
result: h=6 m=25
